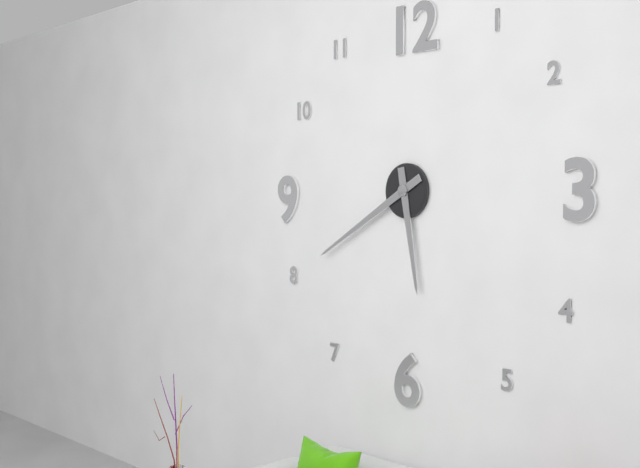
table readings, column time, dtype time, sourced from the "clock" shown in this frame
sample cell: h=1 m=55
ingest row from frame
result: h=5 m=40
